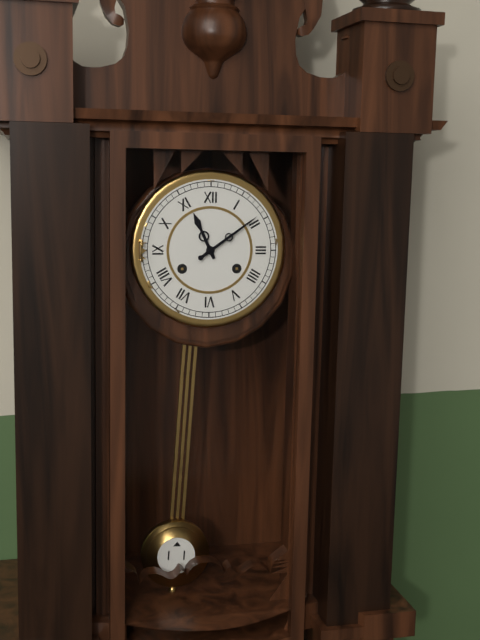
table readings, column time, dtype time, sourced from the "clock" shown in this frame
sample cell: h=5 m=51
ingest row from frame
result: h=11 m=9
